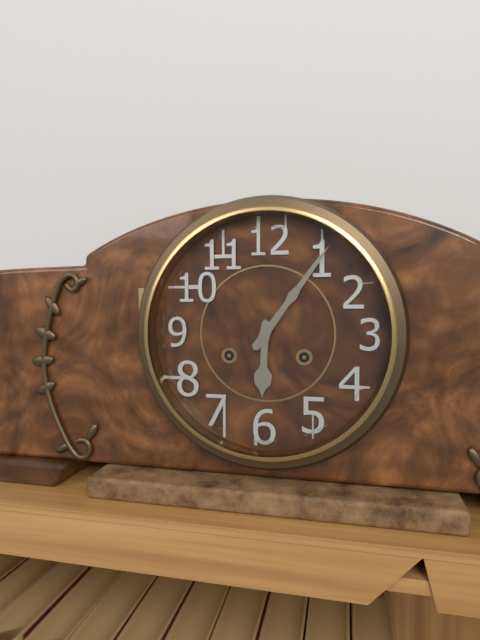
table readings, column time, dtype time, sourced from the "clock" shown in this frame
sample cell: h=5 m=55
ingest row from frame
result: h=6 m=6
